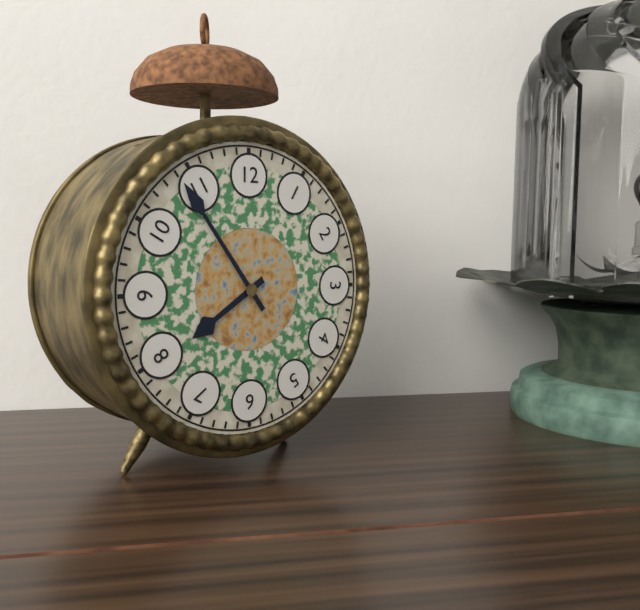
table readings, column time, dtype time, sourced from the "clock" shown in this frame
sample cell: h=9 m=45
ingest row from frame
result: h=7 m=54
